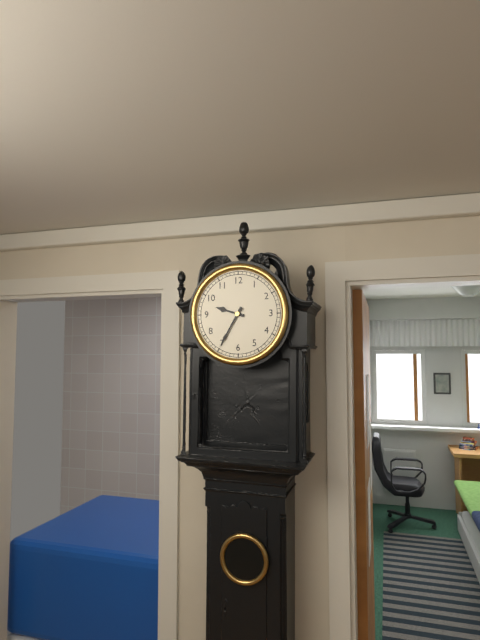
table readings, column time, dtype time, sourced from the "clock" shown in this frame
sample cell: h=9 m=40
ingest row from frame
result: h=9 m=35
